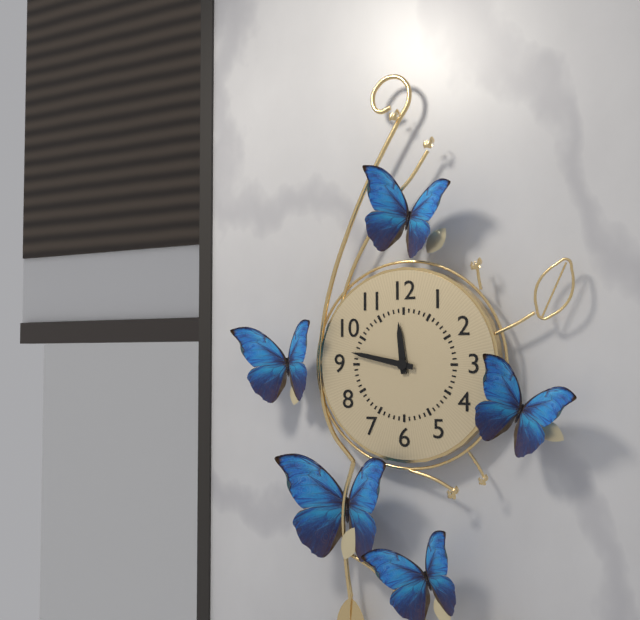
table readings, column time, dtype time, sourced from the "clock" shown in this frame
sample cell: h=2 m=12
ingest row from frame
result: h=11 m=47
